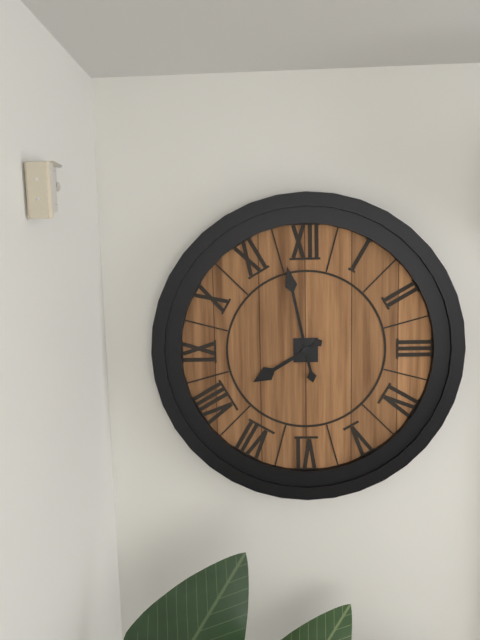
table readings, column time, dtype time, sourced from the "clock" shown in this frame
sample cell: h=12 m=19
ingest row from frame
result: h=7 m=58
